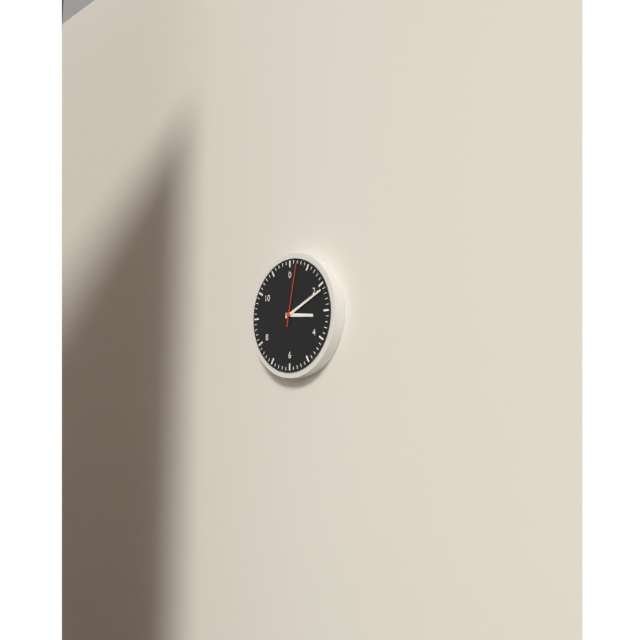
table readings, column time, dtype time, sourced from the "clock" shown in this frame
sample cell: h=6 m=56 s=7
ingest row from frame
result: h=3 m=11 s=2
